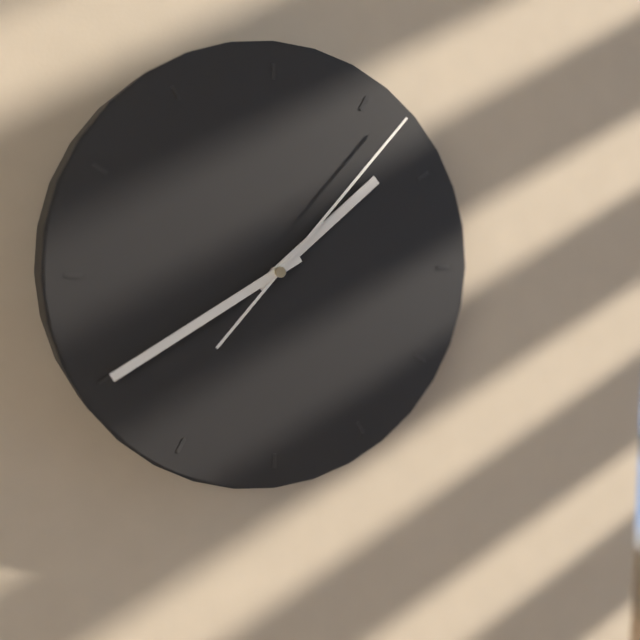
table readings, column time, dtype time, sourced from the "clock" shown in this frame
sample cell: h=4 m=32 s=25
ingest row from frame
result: h=1 m=40 s=7
